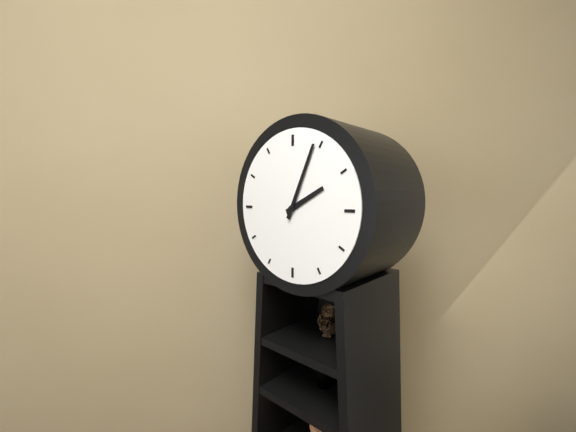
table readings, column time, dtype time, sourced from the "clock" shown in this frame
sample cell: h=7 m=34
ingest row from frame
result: h=2 m=4
